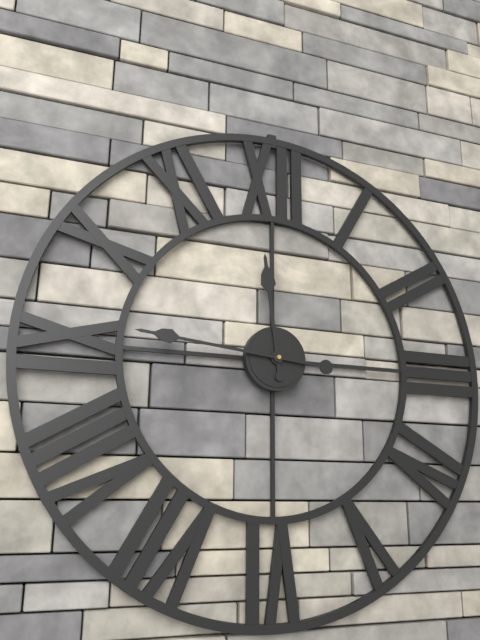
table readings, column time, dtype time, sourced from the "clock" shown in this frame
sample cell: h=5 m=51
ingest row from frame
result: h=11 m=46
